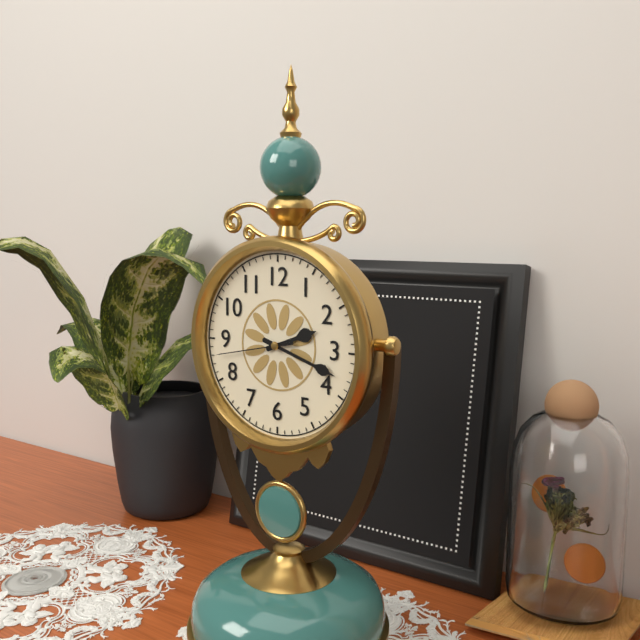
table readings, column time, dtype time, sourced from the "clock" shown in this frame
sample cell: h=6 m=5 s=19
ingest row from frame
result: h=2 m=18 s=43
